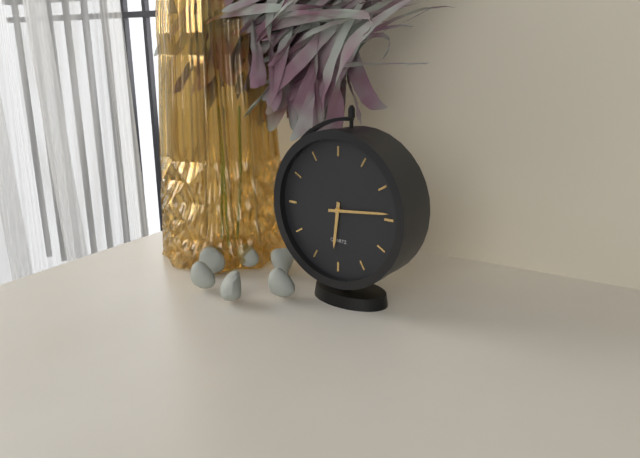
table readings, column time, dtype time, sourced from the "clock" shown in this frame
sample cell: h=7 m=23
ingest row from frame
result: h=6 m=14
